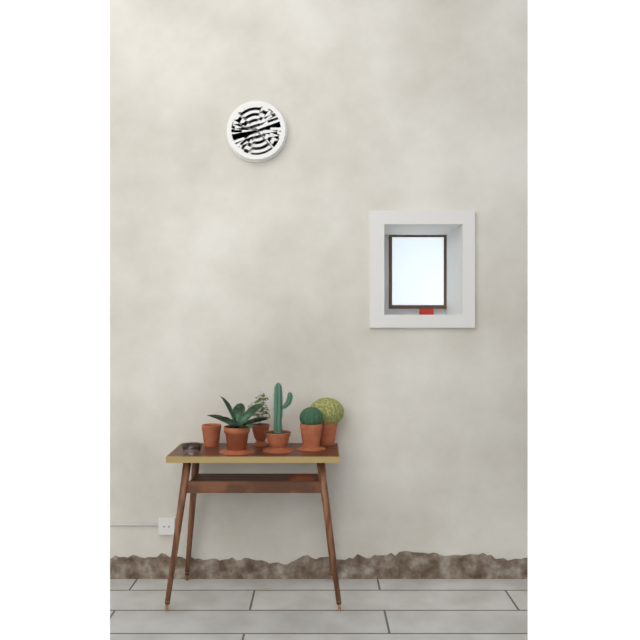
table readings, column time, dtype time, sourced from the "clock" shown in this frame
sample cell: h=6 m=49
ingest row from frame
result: h=9 m=23
